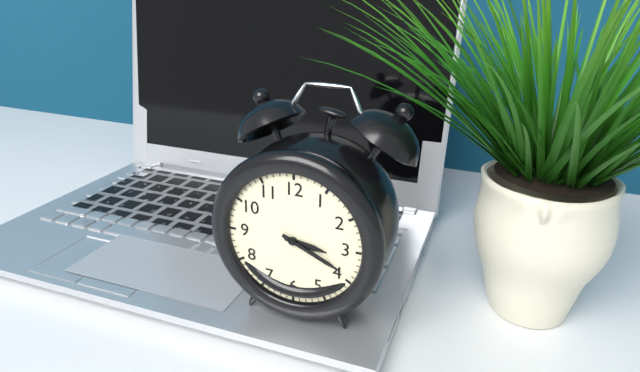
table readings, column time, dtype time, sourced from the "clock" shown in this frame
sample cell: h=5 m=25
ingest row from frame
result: h=3 m=19
